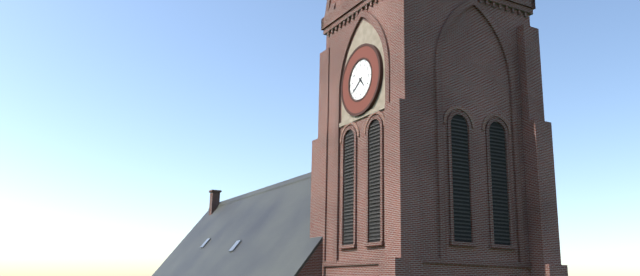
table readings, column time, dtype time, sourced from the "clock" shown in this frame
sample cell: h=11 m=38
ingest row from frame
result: h=4 m=39
